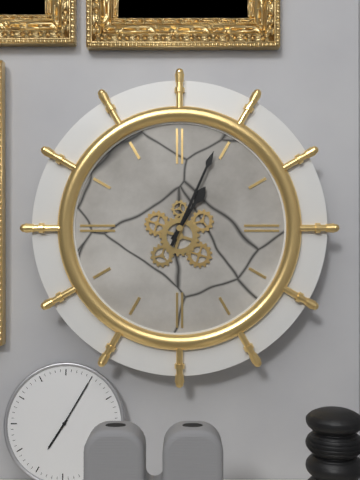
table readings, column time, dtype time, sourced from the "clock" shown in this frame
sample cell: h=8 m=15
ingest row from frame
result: h=1 m=4
